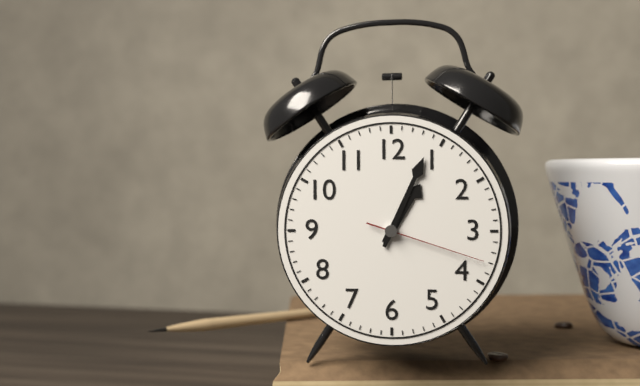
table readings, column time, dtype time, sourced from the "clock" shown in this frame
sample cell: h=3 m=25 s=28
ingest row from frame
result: h=1 m=4 s=18
